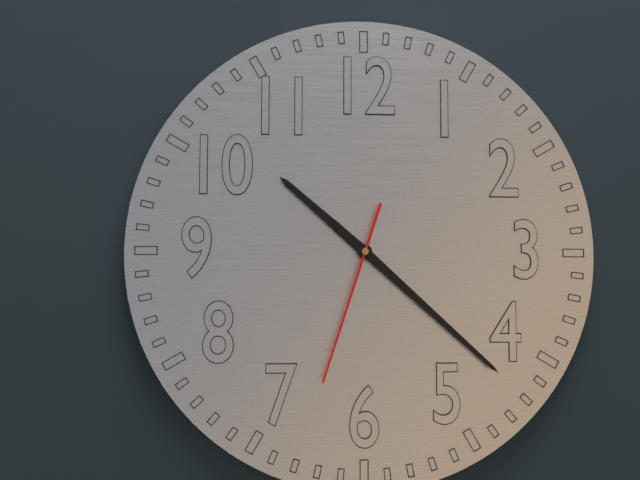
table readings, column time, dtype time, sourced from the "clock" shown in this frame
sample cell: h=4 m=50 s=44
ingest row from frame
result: h=10 m=22 s=33
